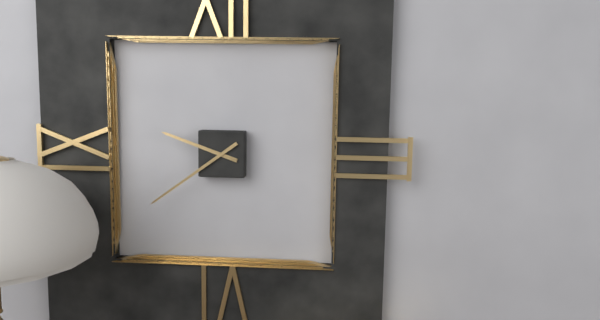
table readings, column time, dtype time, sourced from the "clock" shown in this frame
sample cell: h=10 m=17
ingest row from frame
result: h=9 m=39
